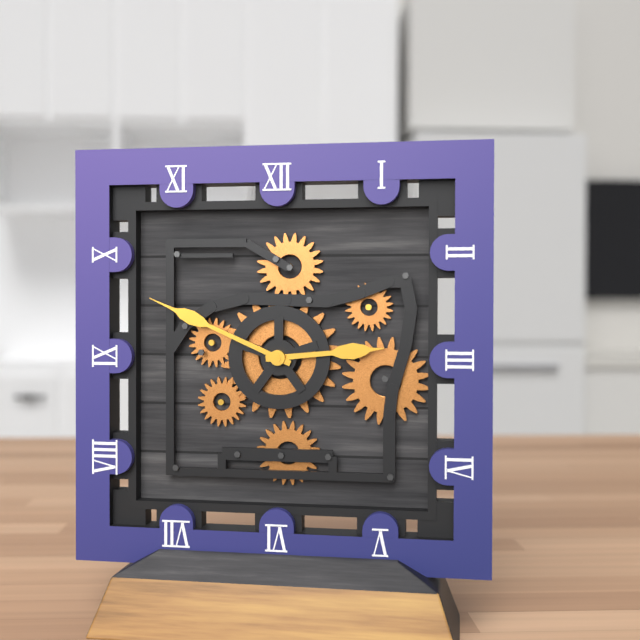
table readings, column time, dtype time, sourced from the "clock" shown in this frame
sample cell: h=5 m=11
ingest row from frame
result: h=2 m=49
